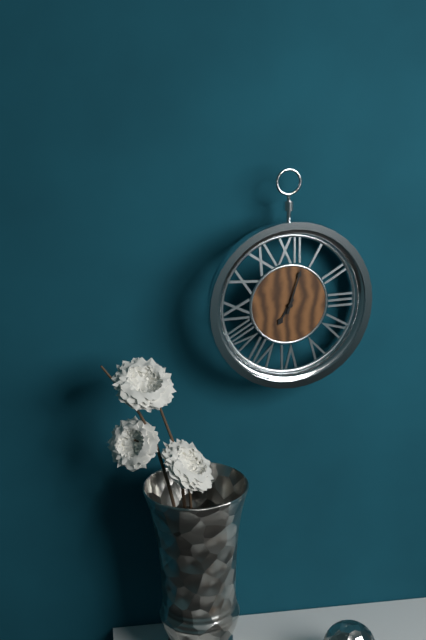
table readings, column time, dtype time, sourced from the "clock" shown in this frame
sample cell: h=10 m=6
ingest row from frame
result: h=7 m=3
